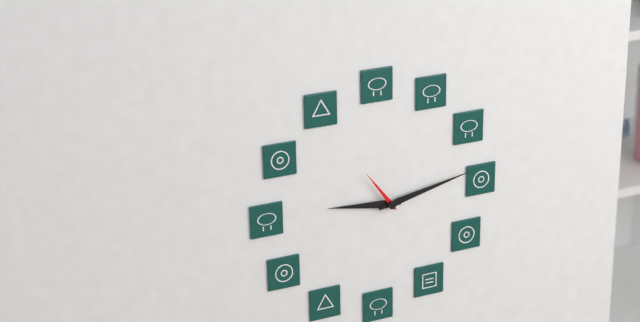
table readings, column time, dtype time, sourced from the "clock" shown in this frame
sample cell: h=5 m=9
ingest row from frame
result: h=9 m=13
